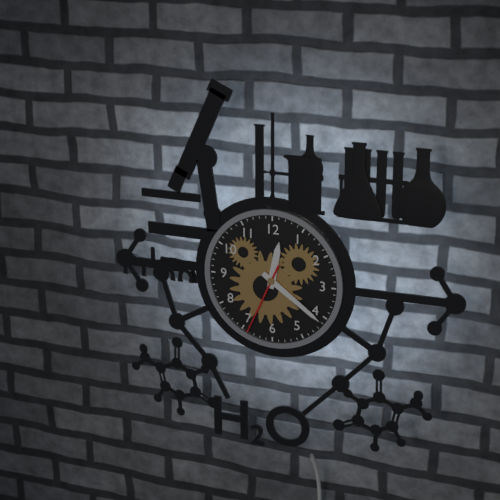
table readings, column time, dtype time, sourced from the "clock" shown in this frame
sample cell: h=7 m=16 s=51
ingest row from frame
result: h=12 m=21 s=34
